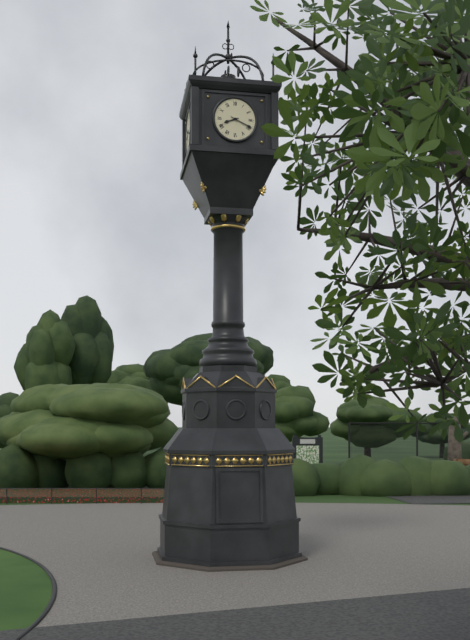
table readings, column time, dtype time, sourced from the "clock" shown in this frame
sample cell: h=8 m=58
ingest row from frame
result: h=8 m=19
